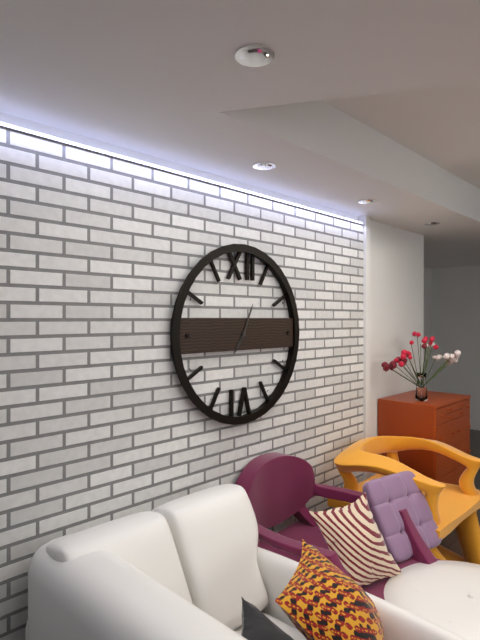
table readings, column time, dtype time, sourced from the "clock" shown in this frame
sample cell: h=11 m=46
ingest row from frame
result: h=7 m=4
